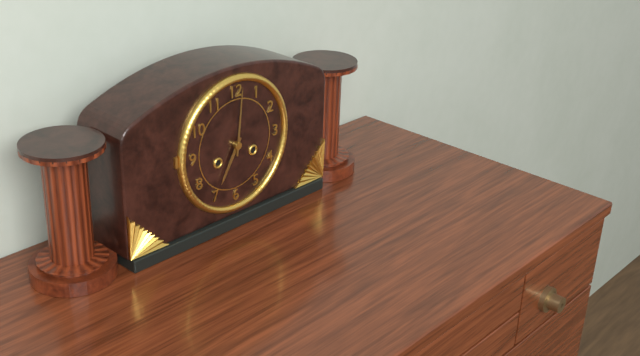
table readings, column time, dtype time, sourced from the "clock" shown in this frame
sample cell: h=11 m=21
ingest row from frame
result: h=7 m=1
